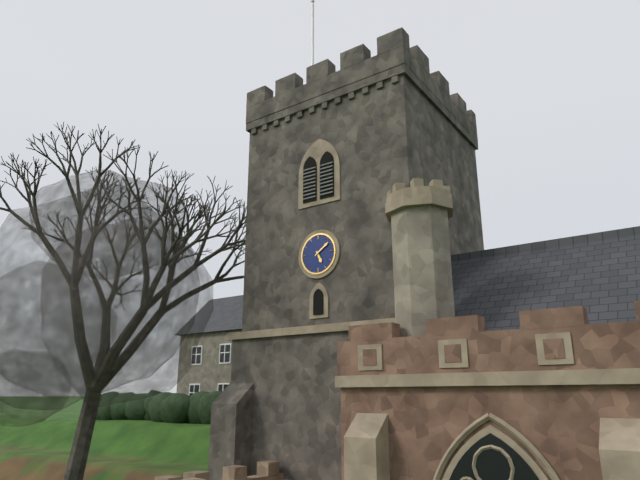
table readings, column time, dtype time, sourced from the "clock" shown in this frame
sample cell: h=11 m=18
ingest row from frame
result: h=5 m=9
